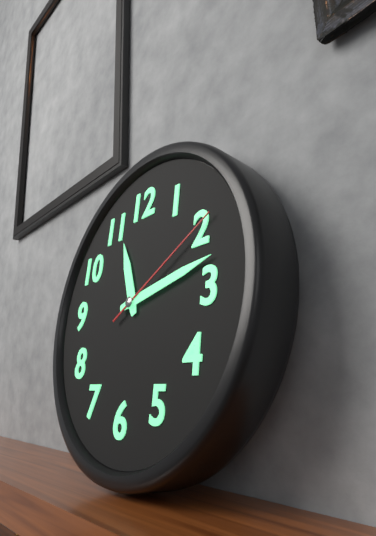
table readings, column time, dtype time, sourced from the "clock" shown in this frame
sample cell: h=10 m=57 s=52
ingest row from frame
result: h=11 m=13 s=10
